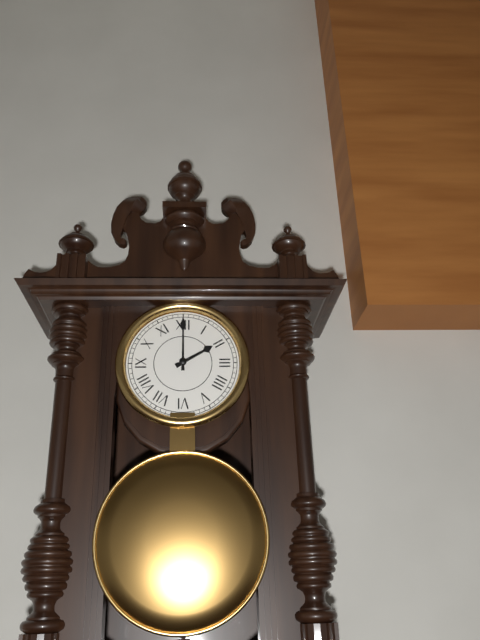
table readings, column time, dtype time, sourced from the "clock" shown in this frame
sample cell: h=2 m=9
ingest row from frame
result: h=2 m=0
